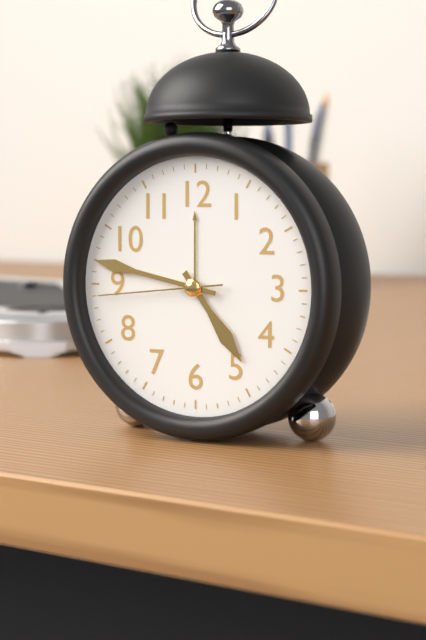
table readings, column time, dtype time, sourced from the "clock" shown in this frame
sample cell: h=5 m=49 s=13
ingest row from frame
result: h=4 m=47 s=44
